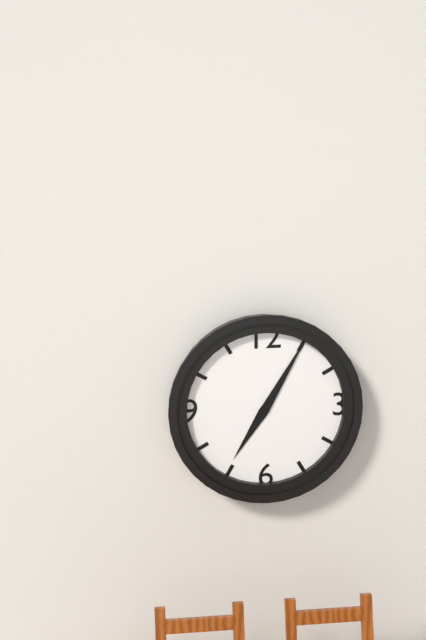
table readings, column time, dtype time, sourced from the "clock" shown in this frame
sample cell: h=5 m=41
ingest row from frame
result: h=7 m=5
